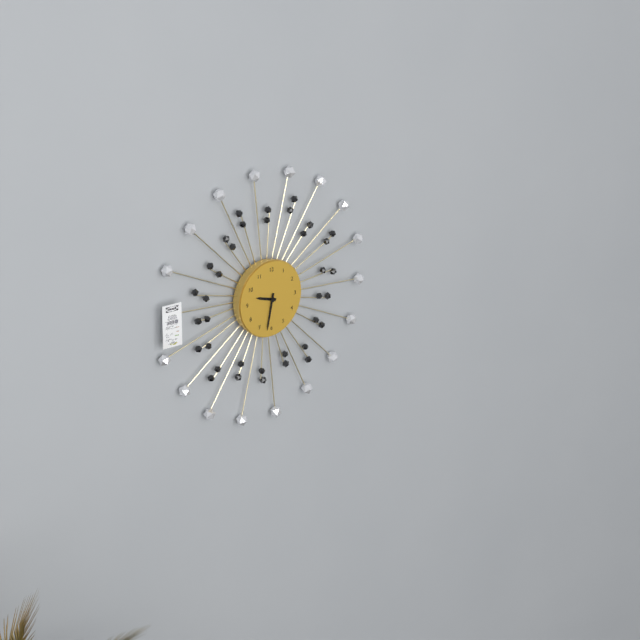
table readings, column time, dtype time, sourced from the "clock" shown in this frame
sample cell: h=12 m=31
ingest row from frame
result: h=9 m=32
